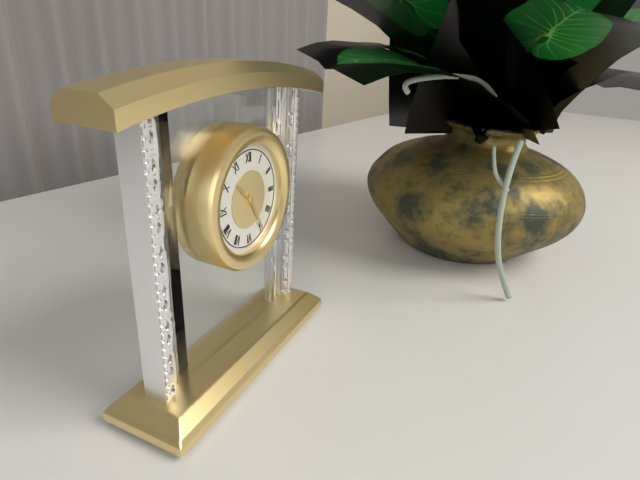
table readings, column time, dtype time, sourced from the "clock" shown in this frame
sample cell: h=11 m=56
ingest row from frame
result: h=10 m=25
